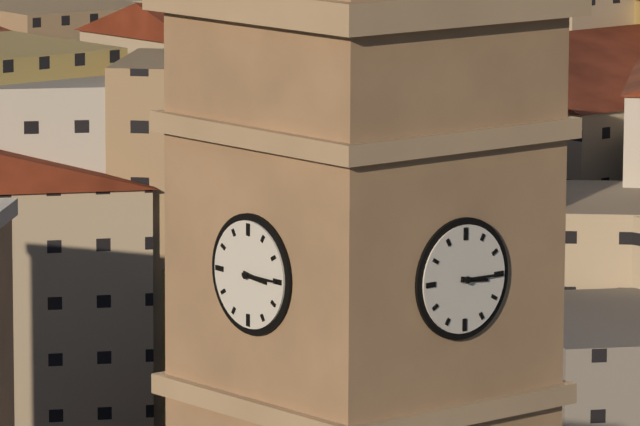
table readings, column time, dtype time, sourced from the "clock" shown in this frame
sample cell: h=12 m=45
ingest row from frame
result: h=3 m=15
